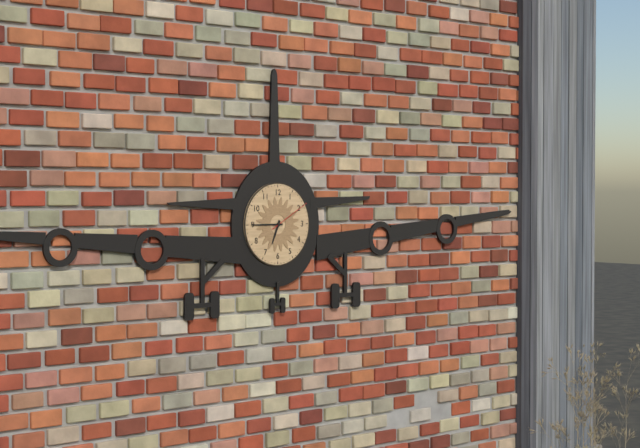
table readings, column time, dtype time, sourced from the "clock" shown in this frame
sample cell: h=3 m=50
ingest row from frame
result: h=6 m=45
